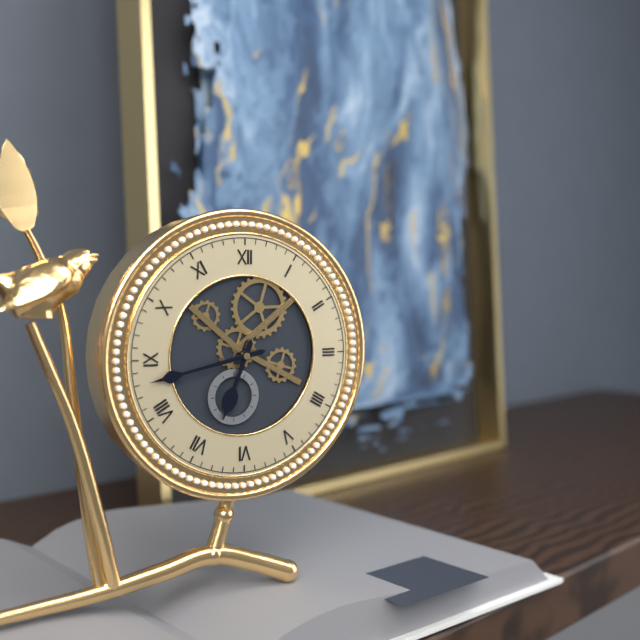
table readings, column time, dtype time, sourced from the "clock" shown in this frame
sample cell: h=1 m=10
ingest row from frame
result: h=6 m=43
